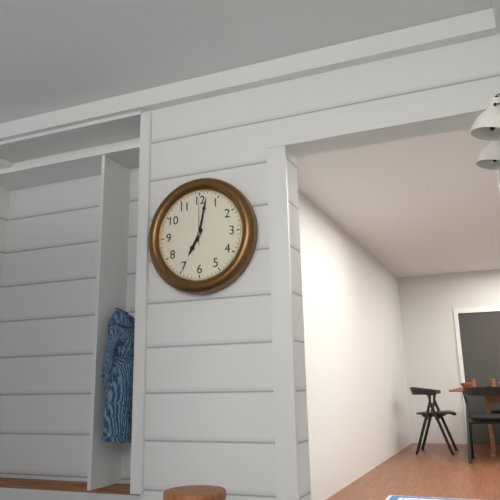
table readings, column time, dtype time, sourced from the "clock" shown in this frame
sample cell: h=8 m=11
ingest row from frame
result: h=7 m=2
